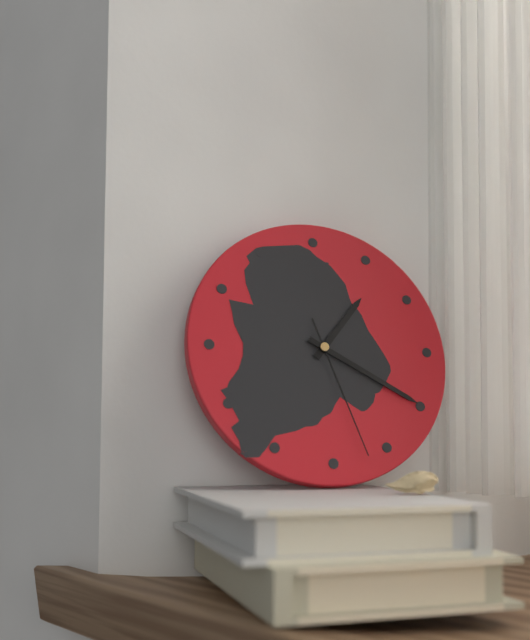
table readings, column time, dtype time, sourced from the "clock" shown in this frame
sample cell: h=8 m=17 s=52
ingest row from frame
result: h=1 m=20 s=27
